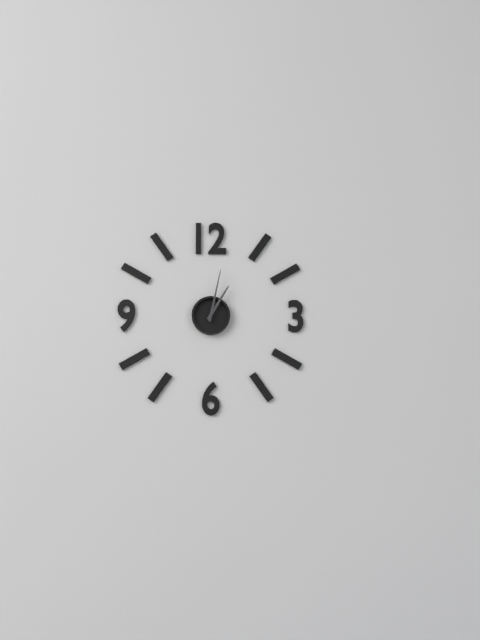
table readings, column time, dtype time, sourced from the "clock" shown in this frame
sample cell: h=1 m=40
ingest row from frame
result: h=1 m=2
